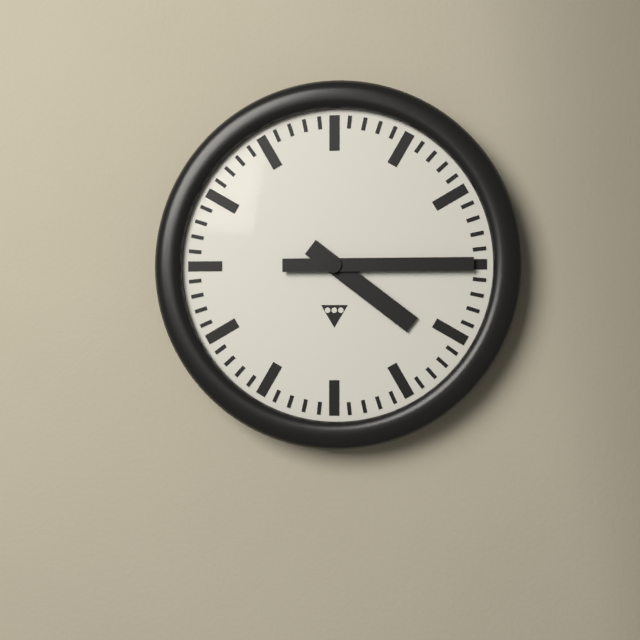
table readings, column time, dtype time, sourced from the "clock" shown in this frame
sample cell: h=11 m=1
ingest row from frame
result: h=4 m=15
